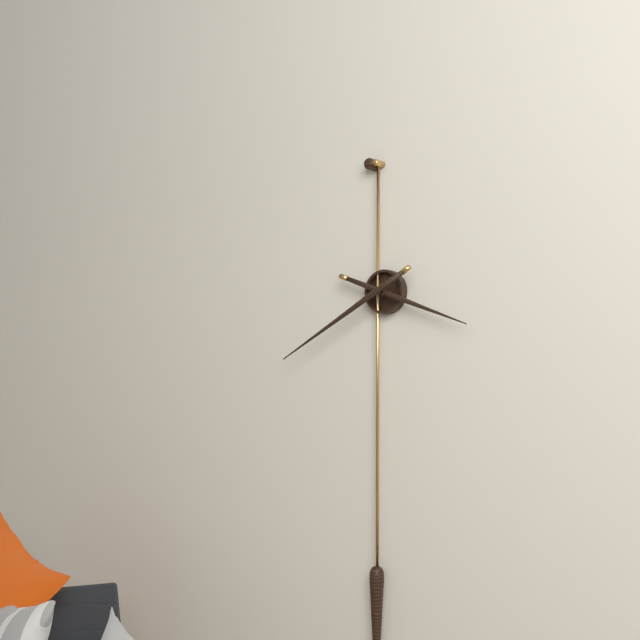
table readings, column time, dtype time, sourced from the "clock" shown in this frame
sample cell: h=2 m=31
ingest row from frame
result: h=3 m=40
